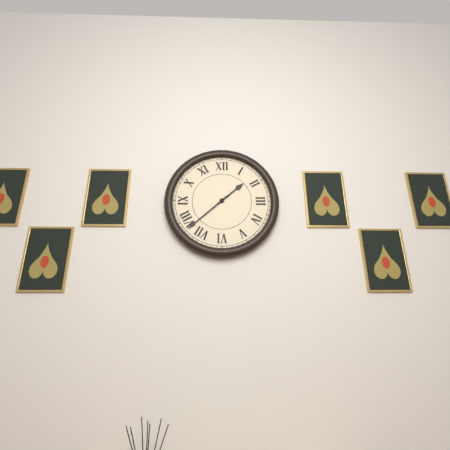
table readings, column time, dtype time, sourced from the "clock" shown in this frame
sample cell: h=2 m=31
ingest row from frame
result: h=1 m=38
